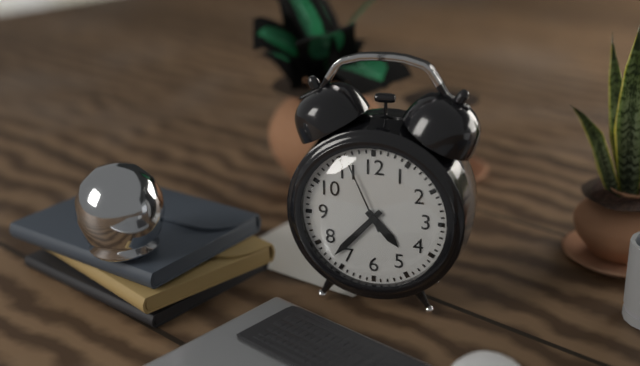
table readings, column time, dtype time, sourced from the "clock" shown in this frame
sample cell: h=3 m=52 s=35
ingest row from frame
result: h=4 m=37 s=56
